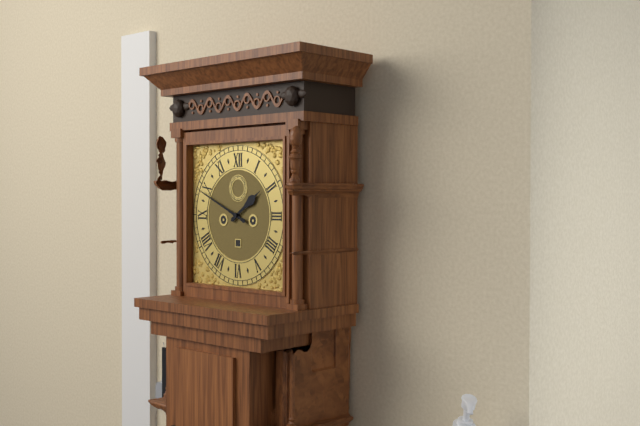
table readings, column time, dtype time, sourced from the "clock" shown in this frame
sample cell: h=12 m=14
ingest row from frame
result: h=1 m=49
